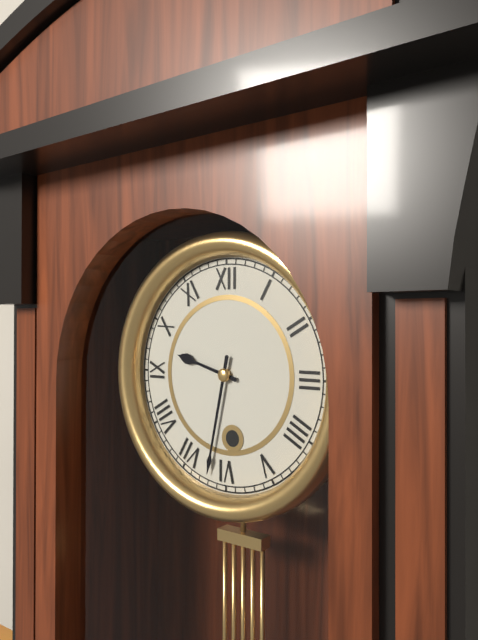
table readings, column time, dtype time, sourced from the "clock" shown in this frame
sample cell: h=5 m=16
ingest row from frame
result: h=9 m=32
